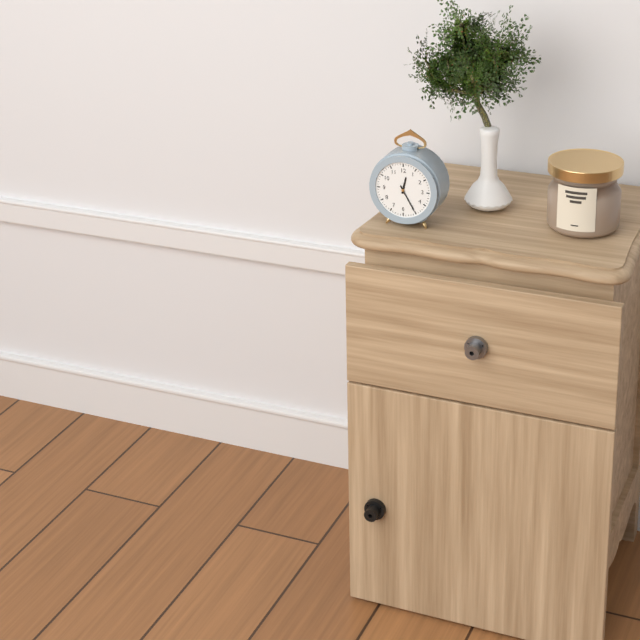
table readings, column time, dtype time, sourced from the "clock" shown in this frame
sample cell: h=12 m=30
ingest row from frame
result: h=12 m=25
